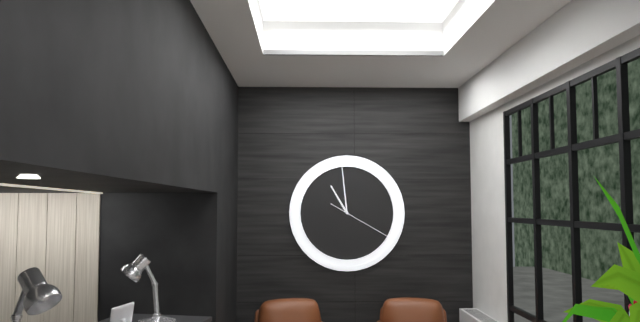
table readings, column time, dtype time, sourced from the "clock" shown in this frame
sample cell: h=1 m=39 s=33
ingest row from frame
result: h=10 m=59 s=20
